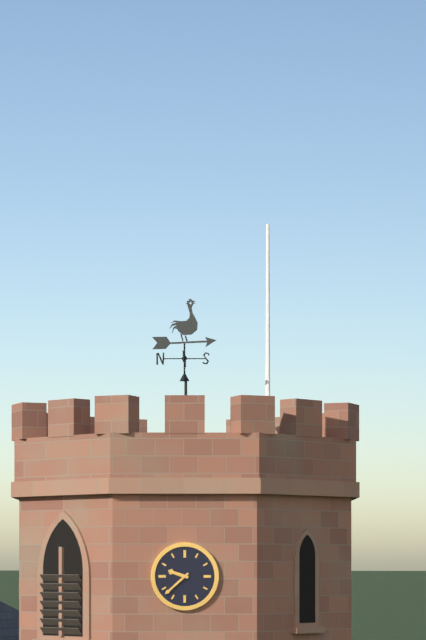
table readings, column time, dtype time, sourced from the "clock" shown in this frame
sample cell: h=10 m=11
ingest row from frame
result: h=9 m=38
